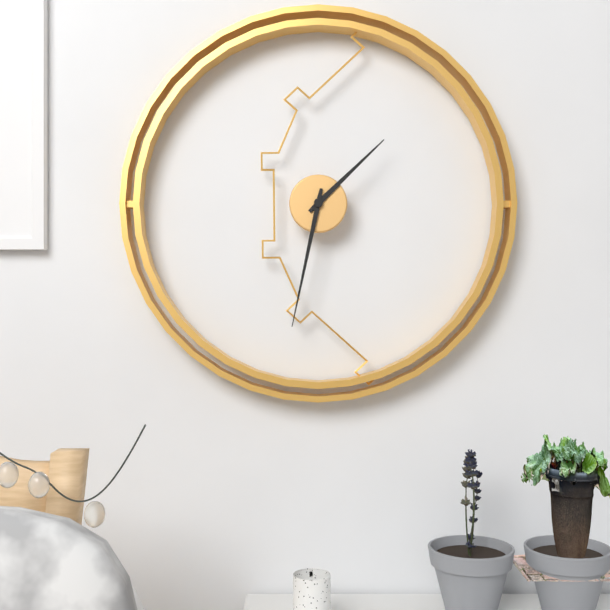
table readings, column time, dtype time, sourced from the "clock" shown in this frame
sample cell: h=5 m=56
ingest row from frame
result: h=1 m=32
